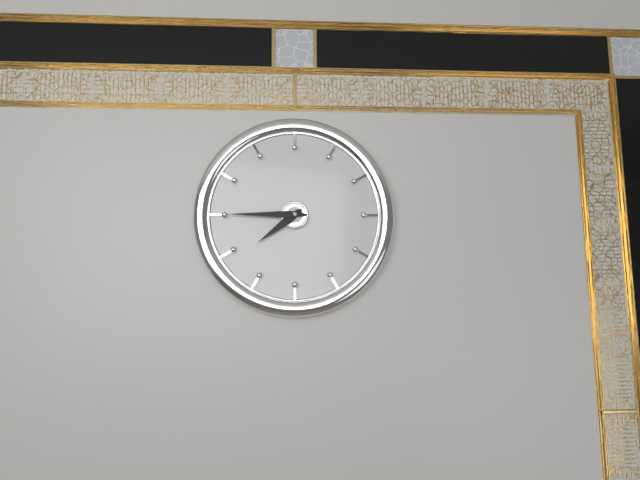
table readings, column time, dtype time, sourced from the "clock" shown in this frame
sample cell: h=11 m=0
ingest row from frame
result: h=7 m=45
